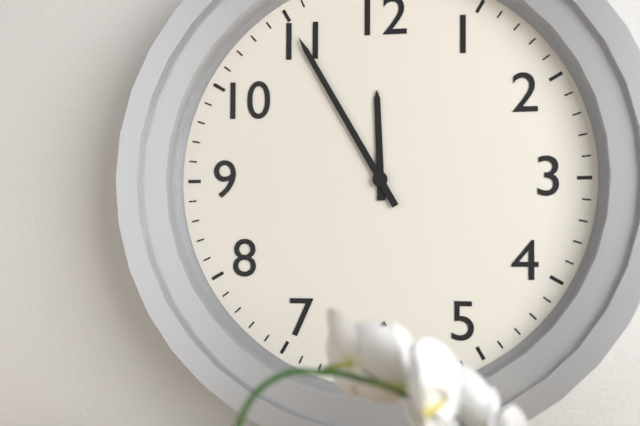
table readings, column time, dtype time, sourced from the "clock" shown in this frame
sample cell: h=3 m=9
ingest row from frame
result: h=11 m=55
